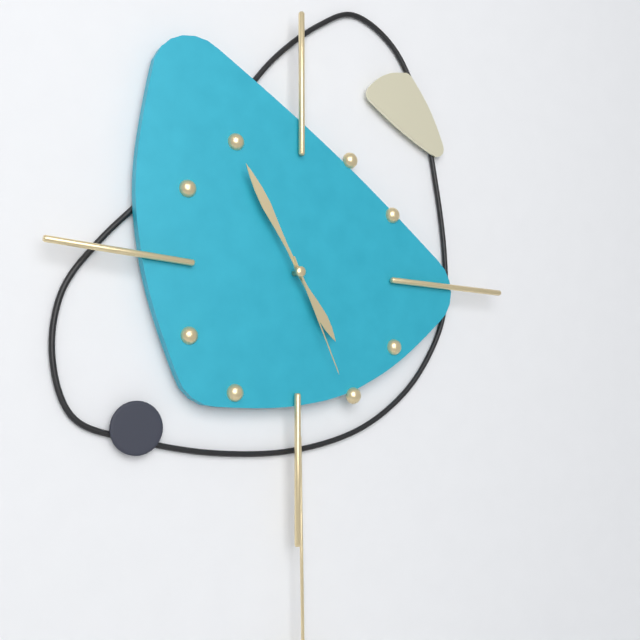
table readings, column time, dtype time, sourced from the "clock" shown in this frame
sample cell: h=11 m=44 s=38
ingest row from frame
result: h=4 m=55 s=26
